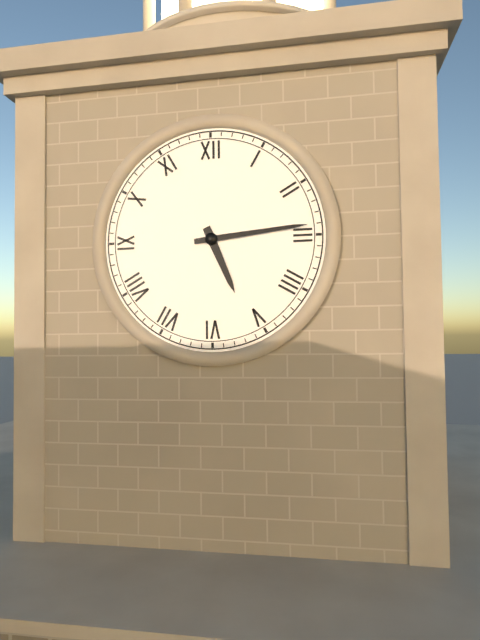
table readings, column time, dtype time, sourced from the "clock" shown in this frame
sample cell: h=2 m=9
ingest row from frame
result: h=5 m=14
